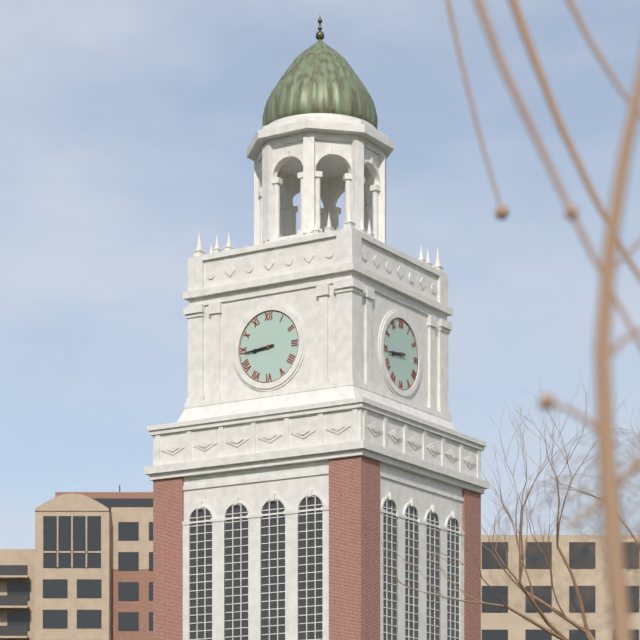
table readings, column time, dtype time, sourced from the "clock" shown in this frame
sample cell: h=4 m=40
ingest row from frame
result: h=8 m=44
